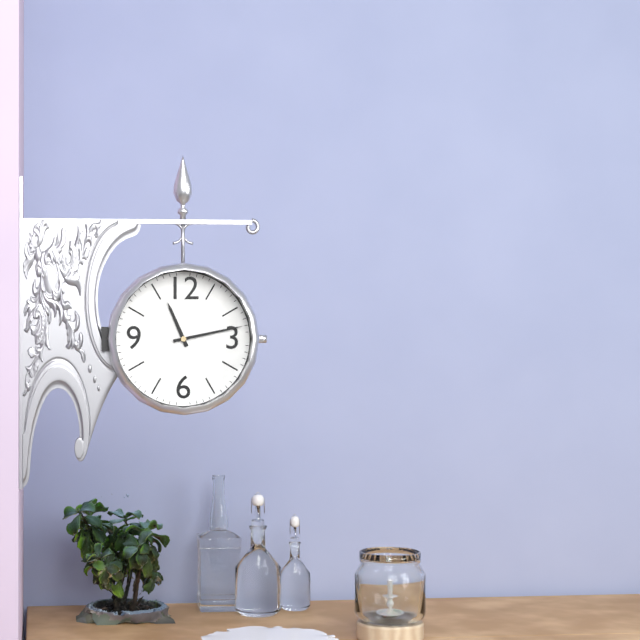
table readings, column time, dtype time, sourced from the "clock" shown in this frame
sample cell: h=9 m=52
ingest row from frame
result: h=11 m=13
